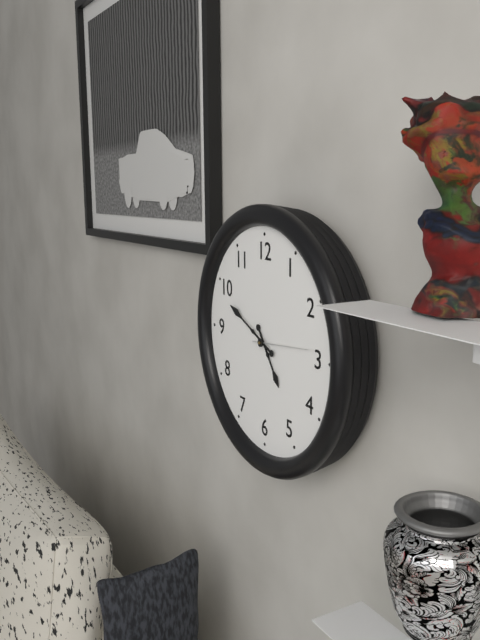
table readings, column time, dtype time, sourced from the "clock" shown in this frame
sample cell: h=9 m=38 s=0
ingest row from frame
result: h=4 m=49 s=14
